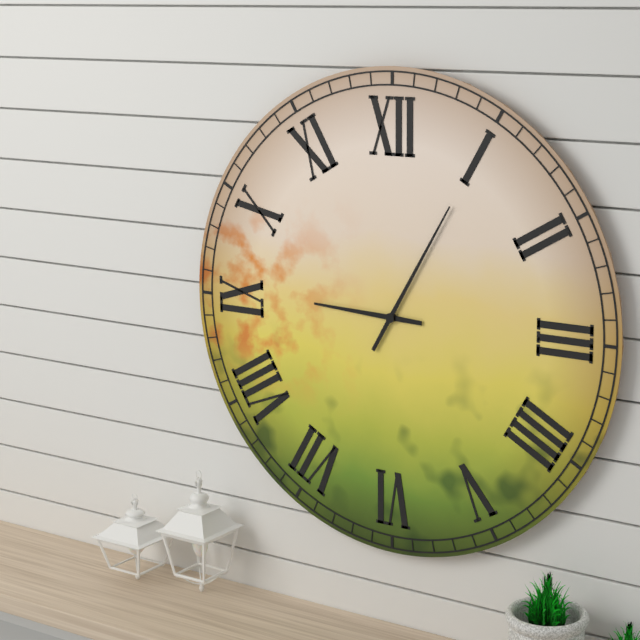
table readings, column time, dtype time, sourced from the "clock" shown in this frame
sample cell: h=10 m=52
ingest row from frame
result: h=9 m=5
